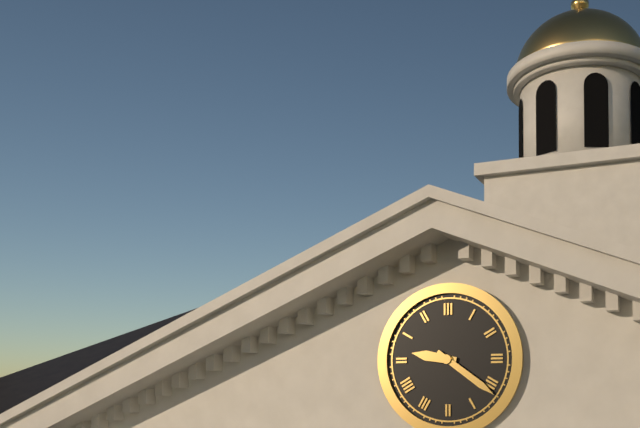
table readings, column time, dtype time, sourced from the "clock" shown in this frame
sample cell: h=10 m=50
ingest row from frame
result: h=9 m=21
